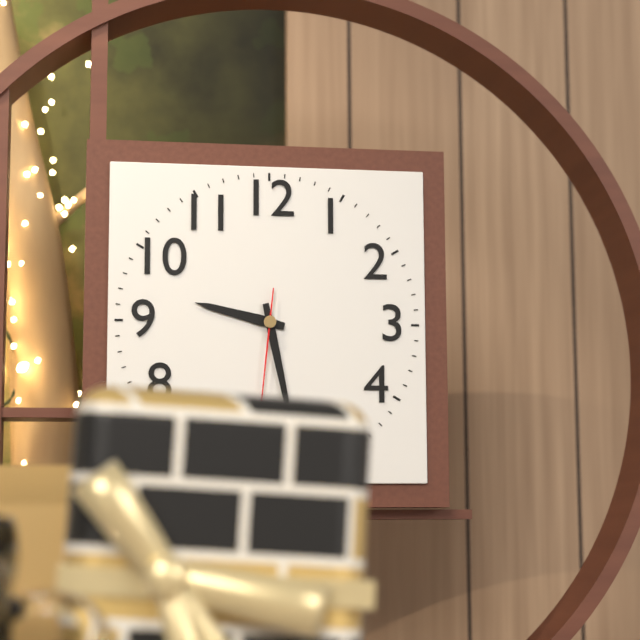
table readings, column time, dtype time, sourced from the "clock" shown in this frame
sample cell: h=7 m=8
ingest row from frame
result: h=9 m=28
